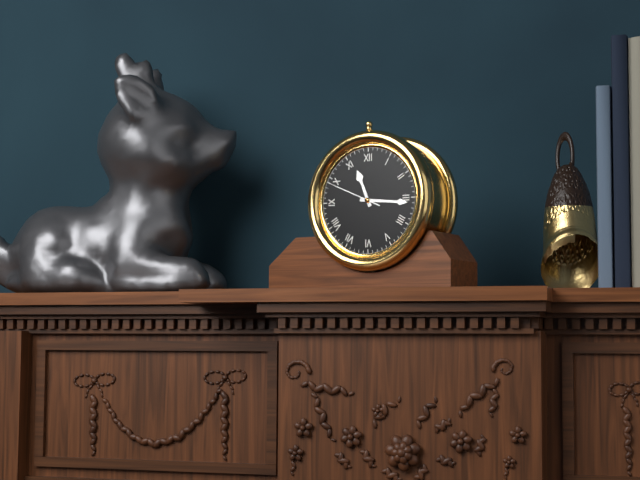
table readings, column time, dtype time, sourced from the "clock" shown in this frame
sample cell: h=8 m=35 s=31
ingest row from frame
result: h=11 m=16 s=49
